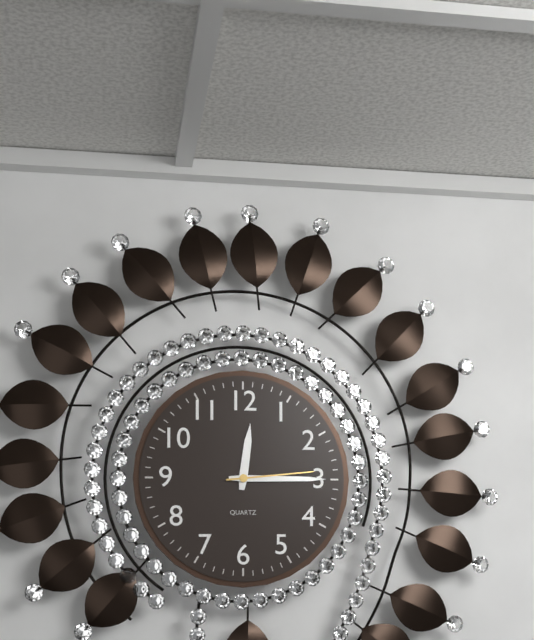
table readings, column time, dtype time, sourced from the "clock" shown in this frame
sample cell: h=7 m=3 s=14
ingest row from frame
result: h=12 m=15 s=14
